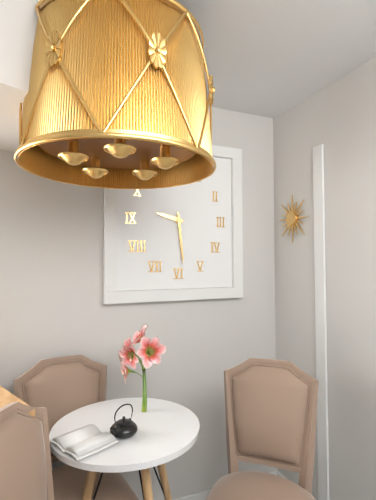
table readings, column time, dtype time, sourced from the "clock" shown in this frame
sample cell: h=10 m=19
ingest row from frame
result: h=9 m=29
